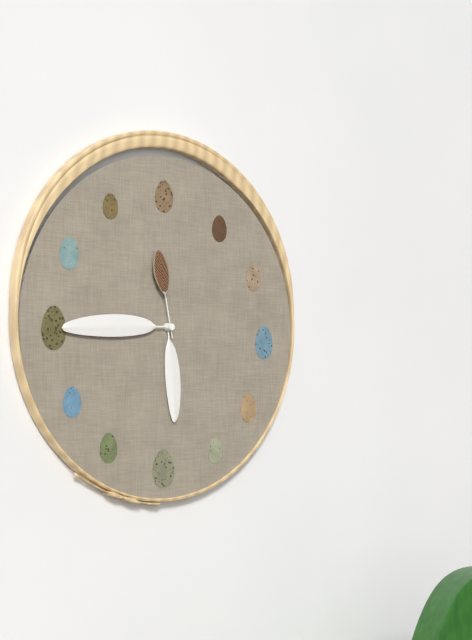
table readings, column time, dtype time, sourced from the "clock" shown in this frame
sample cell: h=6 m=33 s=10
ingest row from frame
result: h=5 m=45 s=58
